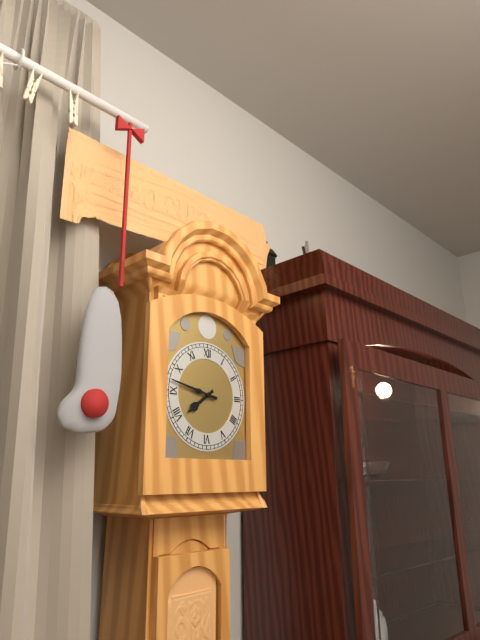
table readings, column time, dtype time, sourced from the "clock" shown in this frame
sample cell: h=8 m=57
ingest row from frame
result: h=7 m=47
